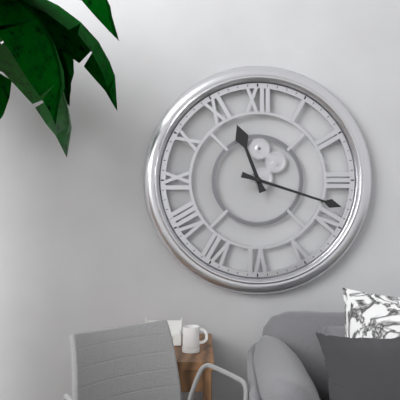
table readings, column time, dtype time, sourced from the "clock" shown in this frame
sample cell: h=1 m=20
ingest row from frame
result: h=11 m=18
